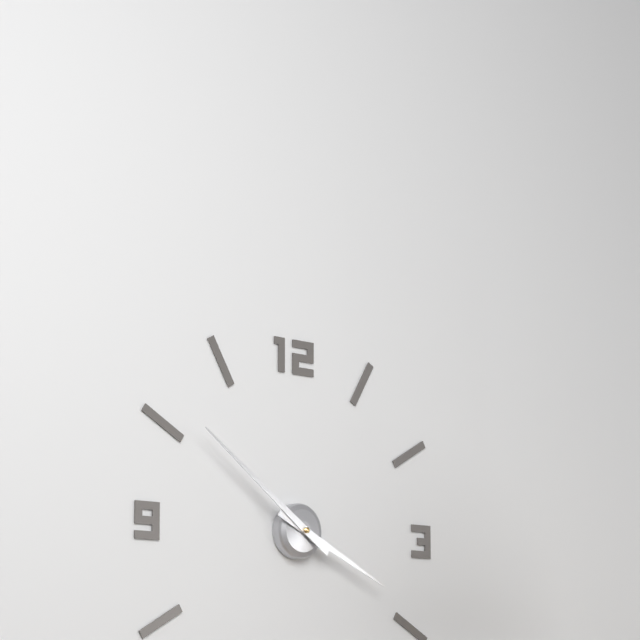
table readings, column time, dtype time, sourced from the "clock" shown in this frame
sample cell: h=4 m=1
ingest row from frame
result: h=3 m=51
